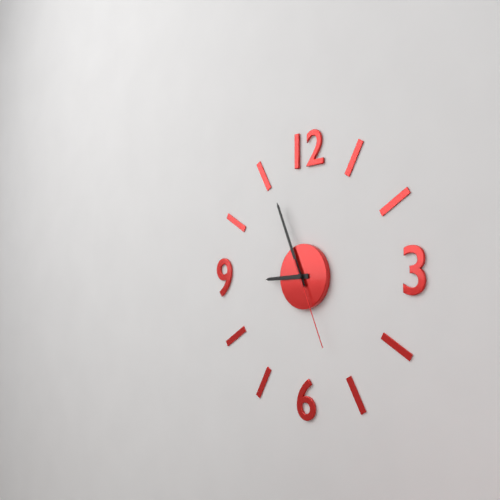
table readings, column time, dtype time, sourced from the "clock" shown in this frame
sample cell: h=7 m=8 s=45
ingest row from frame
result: h=8 m=56 s=26
